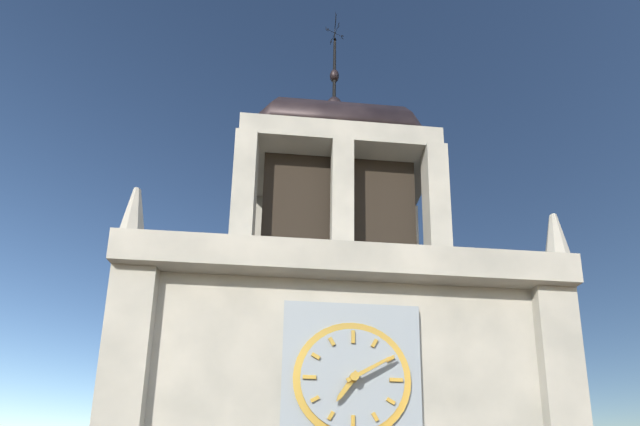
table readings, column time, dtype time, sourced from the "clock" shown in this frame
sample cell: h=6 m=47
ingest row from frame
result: h=7 m=10
